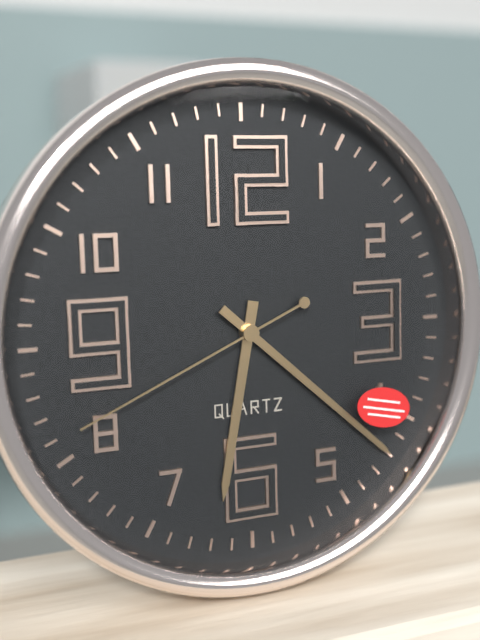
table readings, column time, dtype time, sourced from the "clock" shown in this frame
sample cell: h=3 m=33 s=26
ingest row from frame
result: h=6 m=22 s=41
